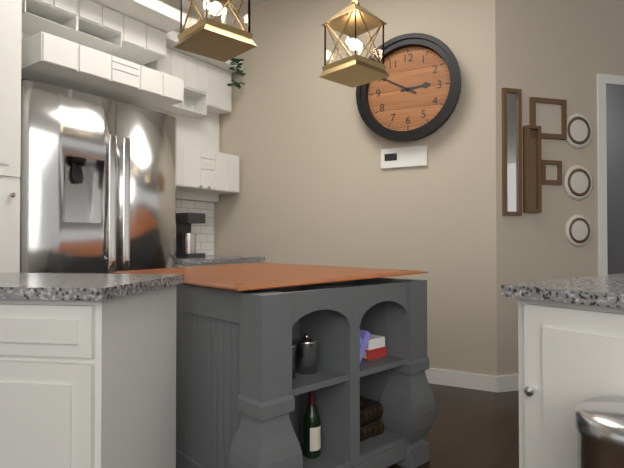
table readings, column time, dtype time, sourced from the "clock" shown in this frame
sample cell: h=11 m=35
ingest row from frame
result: h=2 m=50
